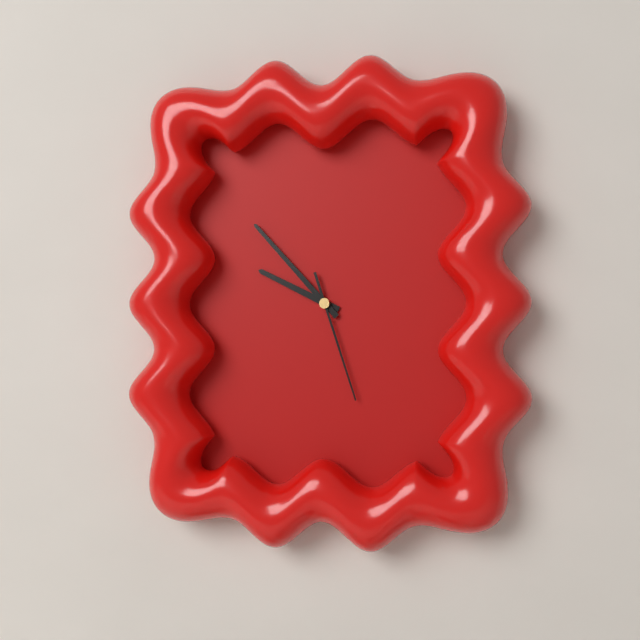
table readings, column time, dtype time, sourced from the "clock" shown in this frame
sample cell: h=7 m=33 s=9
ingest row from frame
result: h=9 m=53 s=27
